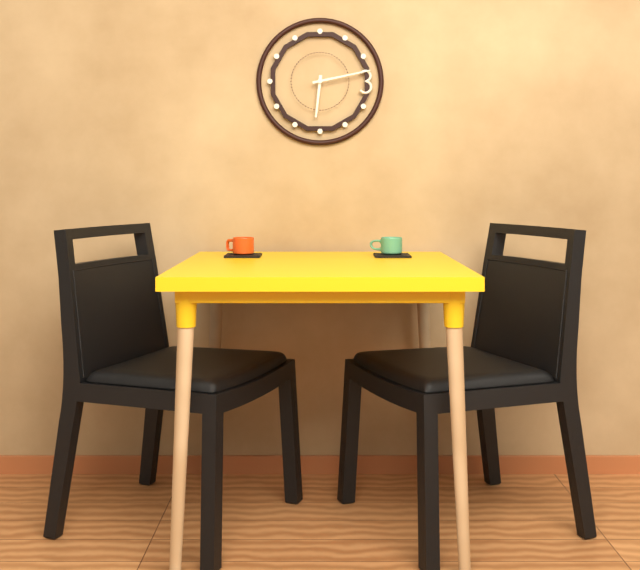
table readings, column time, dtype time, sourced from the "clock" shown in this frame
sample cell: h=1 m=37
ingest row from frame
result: h=6 m=13
